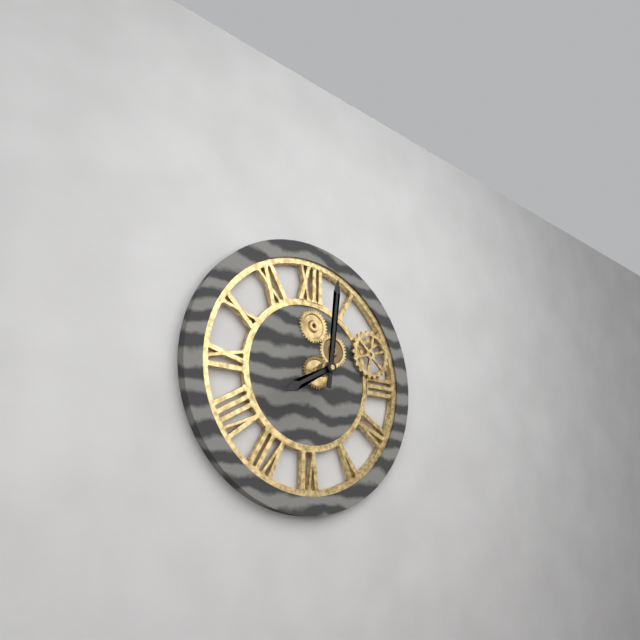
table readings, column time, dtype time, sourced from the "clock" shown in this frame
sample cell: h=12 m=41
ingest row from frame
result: h=8 m=1
